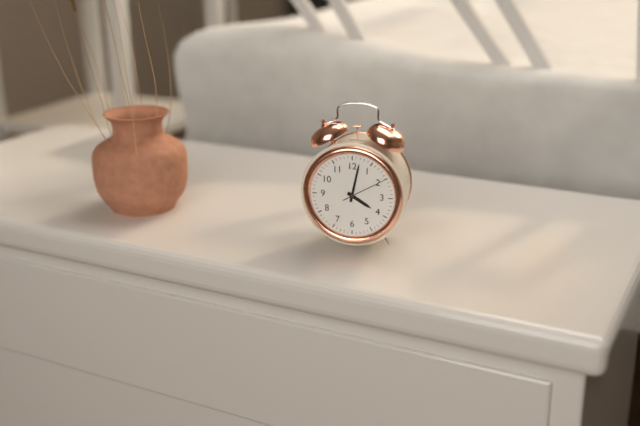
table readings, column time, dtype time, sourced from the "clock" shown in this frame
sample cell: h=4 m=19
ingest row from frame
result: h=4 m=2
